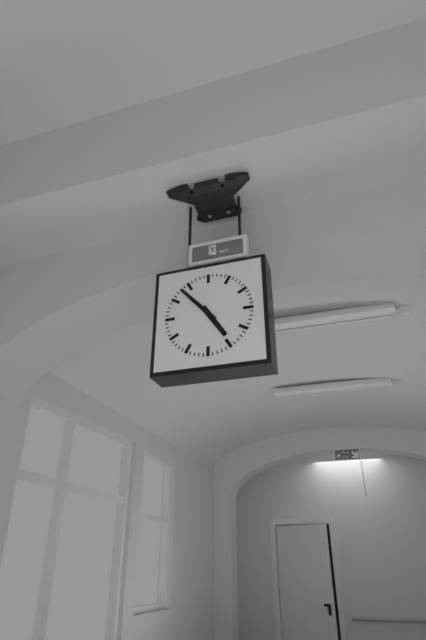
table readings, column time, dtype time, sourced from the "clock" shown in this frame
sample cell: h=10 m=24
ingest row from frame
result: h=4 m=53
